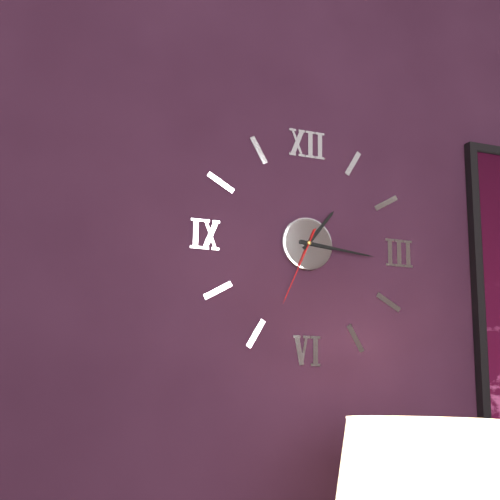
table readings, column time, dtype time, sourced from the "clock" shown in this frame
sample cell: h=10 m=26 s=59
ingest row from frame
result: h=1 m=16 s=34
